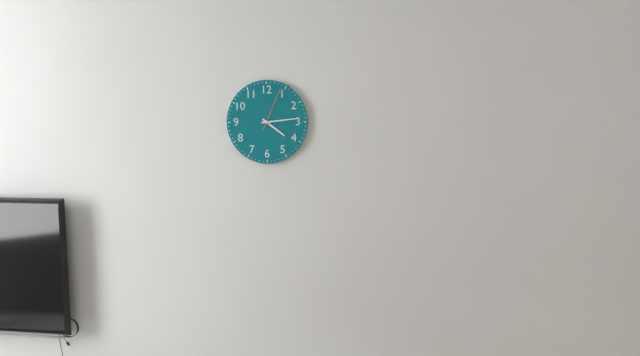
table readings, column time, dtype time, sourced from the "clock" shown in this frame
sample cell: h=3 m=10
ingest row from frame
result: h=4 m=14
